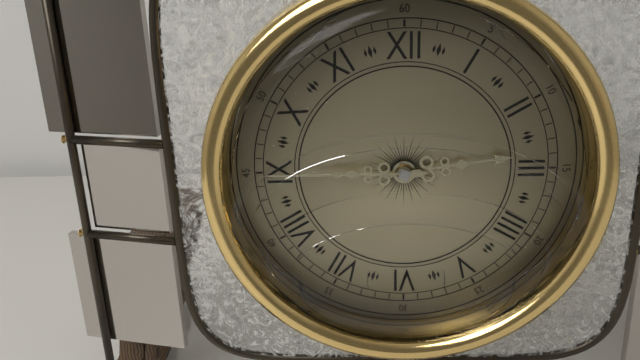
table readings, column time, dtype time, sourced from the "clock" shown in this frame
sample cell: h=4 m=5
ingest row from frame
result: h=2 m=45
